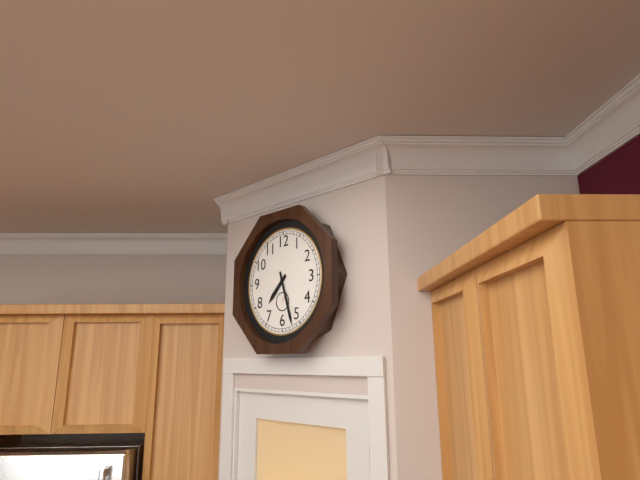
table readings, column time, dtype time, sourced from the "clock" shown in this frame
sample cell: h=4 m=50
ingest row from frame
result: h=7 m=27
